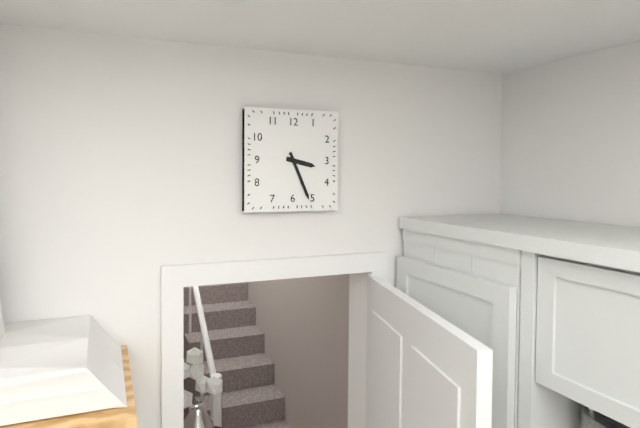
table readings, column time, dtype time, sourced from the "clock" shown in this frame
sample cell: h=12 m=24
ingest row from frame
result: h=3 m=26
